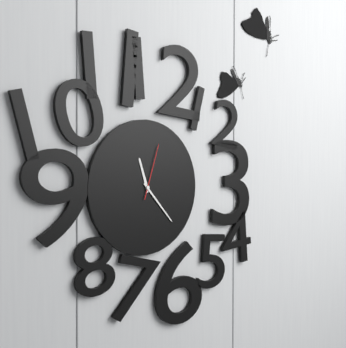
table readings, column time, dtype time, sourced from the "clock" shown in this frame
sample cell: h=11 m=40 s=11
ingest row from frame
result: h=11 m=23 s=3
